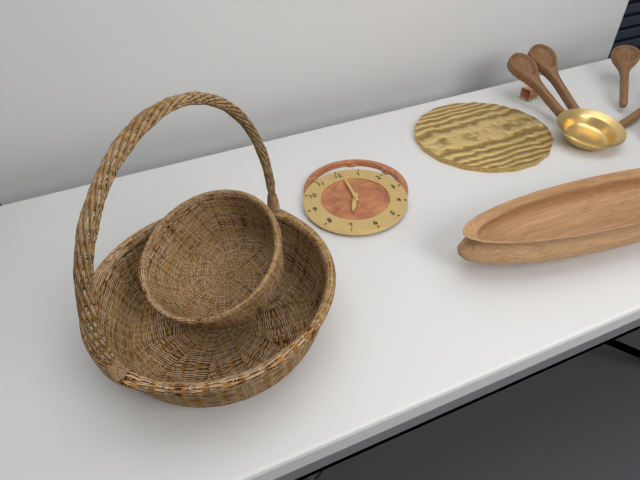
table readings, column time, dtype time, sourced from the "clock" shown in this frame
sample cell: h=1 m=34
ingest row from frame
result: h=7 m=1
